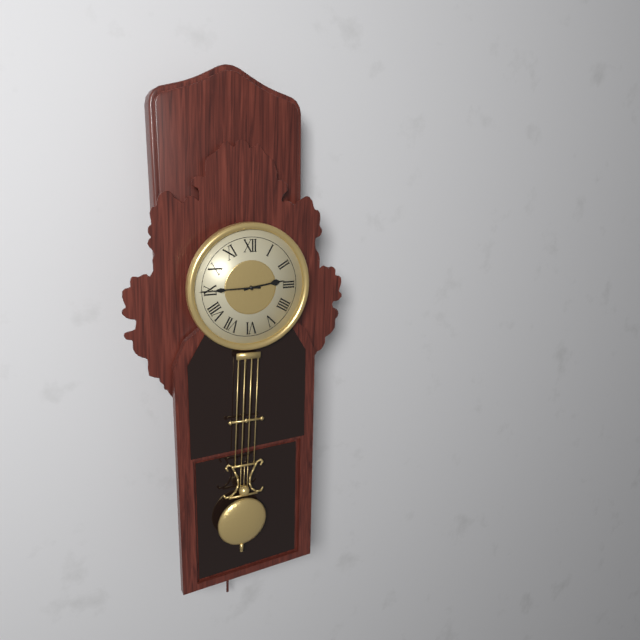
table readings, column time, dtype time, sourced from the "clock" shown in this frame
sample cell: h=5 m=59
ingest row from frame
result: h=2 m=45
